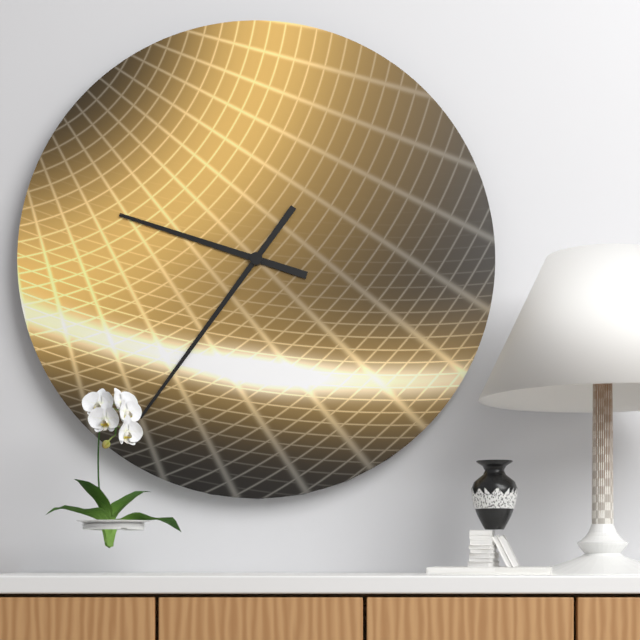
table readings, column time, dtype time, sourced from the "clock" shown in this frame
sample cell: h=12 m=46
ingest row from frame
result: h=9 m=36
